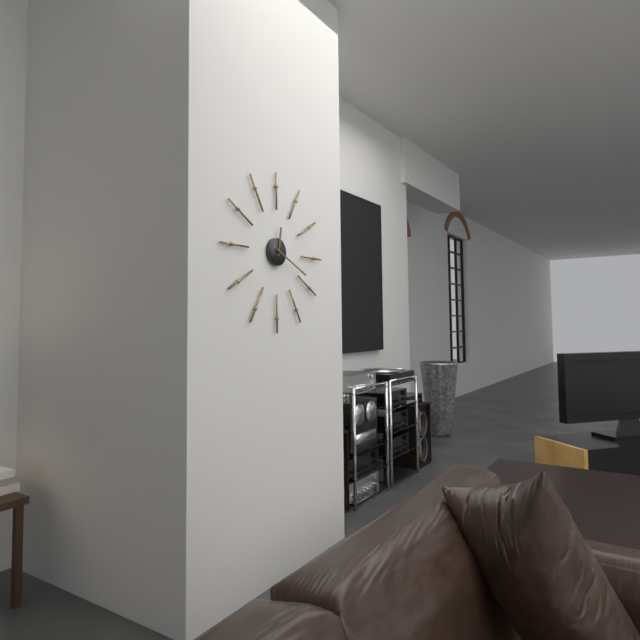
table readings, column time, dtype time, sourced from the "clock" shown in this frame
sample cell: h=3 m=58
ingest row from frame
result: h=12 m=19
